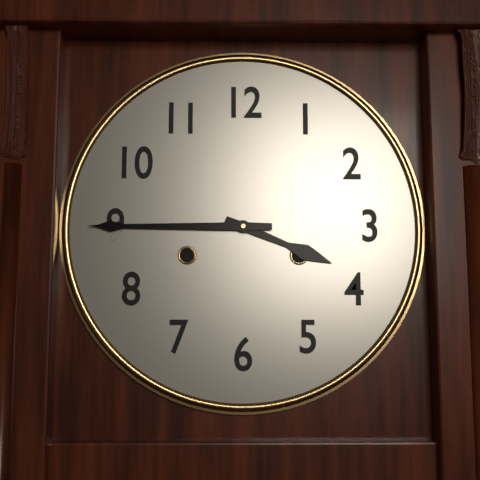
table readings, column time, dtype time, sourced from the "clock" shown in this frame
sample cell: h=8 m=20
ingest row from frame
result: h=3 m=45
